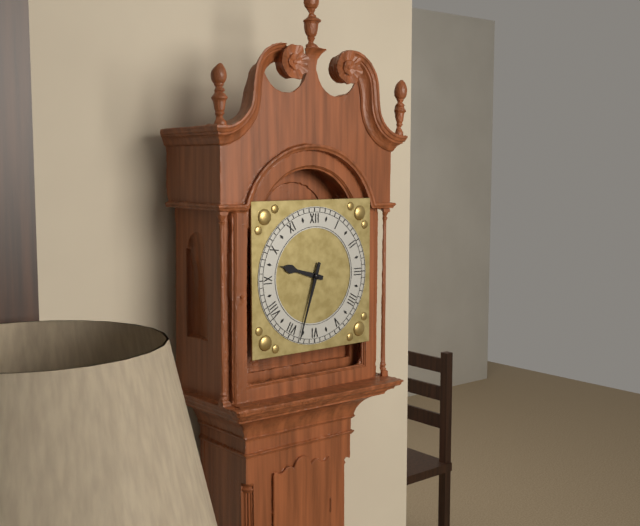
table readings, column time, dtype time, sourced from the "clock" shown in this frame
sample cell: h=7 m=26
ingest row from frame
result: h=9 m=33
